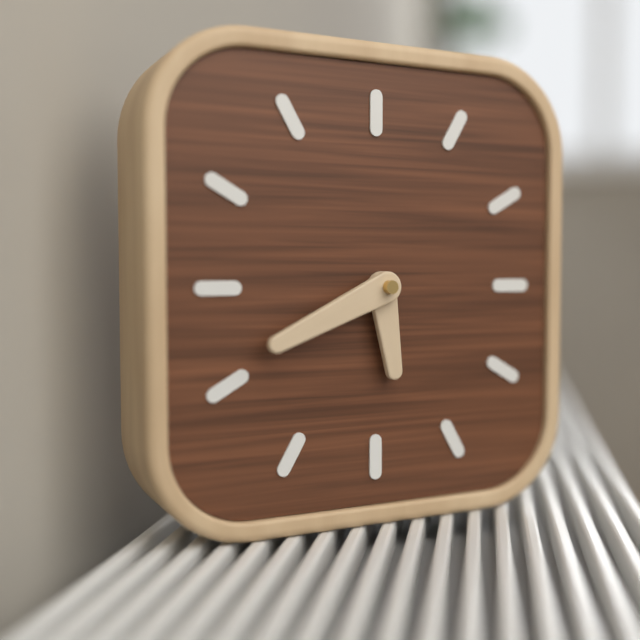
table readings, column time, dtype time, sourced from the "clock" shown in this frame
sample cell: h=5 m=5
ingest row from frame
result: h=5 m=41
